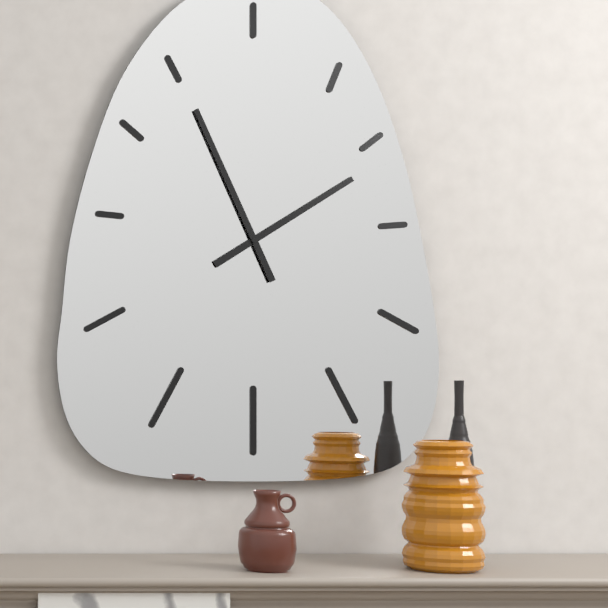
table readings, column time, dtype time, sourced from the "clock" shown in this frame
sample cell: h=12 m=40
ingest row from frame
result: h=1 m=56
